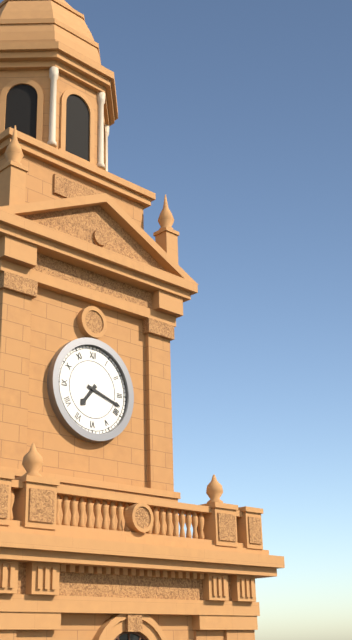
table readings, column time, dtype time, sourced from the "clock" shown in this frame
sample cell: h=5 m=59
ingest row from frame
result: h=7 m=18
